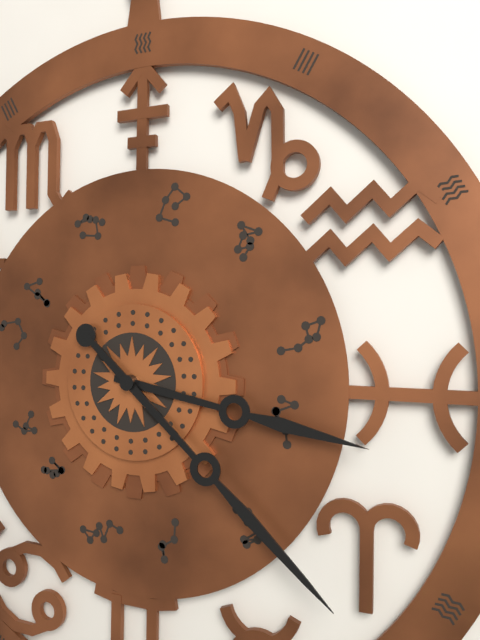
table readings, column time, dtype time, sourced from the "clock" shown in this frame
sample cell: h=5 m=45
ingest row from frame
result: h=3 m=22
